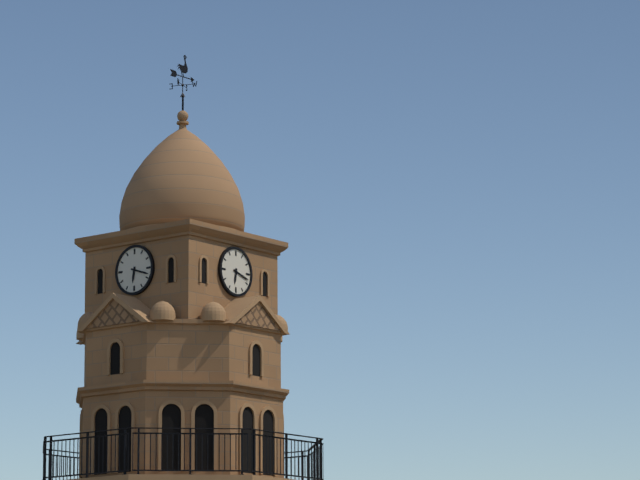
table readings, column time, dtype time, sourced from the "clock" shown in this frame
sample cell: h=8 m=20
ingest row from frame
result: h=6 m=18
